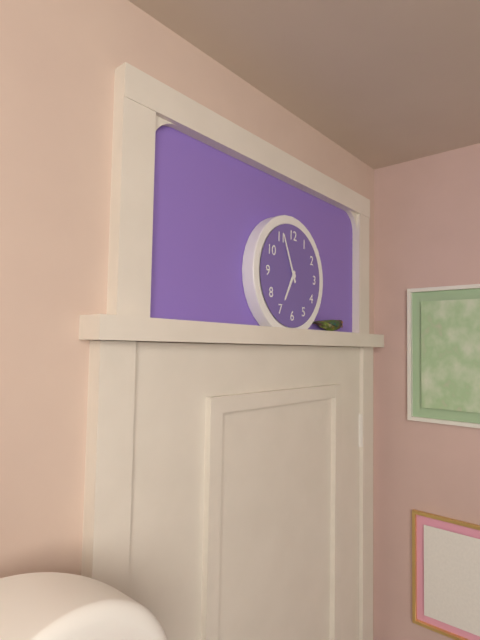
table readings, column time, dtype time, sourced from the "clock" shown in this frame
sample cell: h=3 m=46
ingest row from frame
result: h=6 m=56
